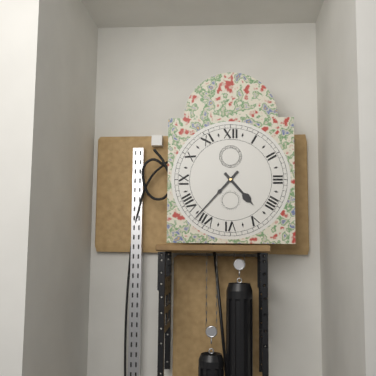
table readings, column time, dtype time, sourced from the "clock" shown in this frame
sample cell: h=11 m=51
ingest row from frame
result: h=4 m=37
